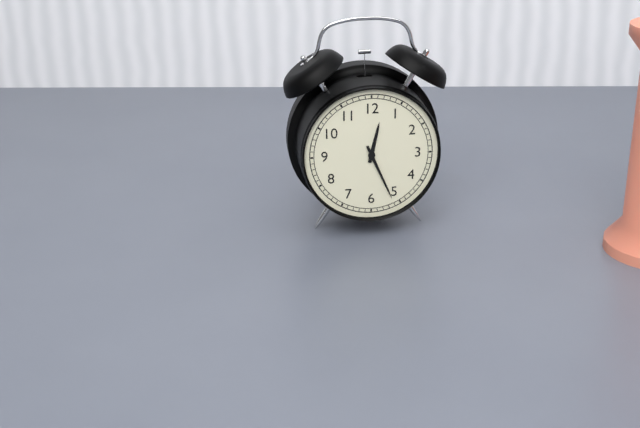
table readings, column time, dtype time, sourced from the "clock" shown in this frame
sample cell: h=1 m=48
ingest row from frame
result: h=12 m=26
